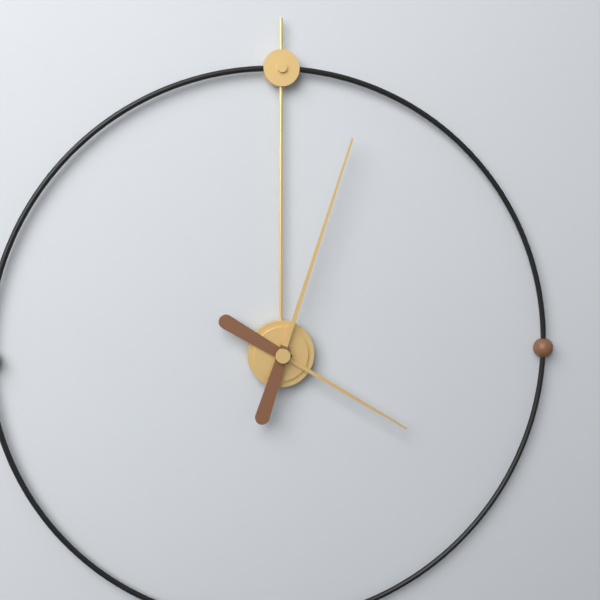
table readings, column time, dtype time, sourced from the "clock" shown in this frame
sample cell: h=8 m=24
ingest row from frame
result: h=4 m=3
